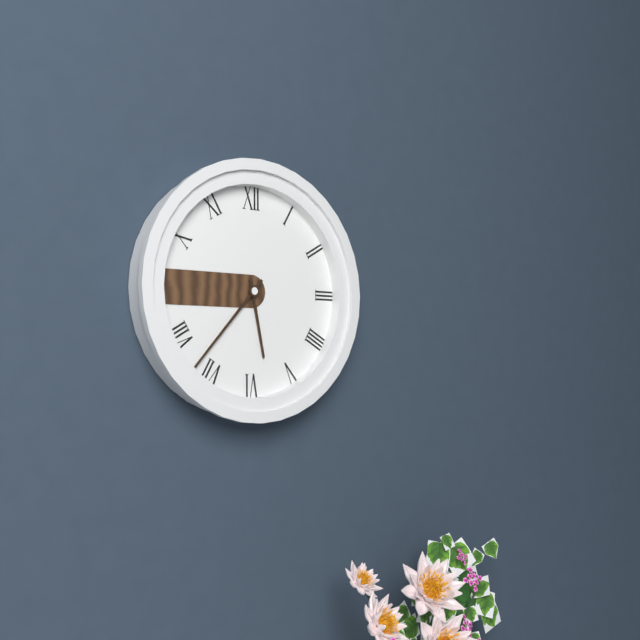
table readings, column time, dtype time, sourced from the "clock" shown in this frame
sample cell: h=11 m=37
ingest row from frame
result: h=5 m=37
